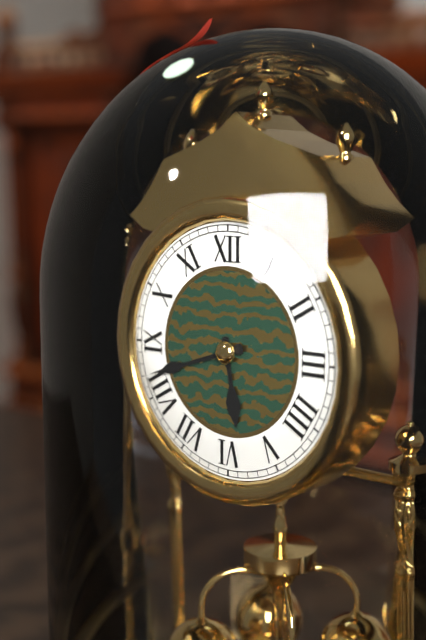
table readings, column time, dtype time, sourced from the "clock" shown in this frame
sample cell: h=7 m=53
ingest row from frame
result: h=5 m=42
